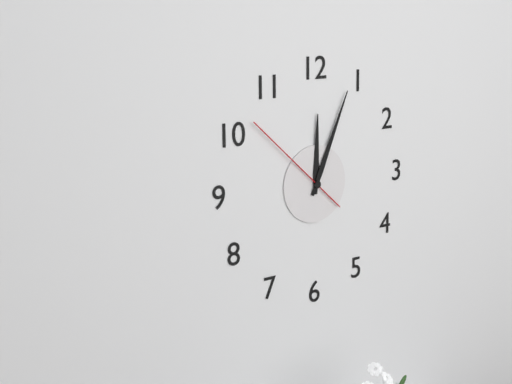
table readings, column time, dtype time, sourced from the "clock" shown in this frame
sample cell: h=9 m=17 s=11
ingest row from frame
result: h=12 m=4 s=52
